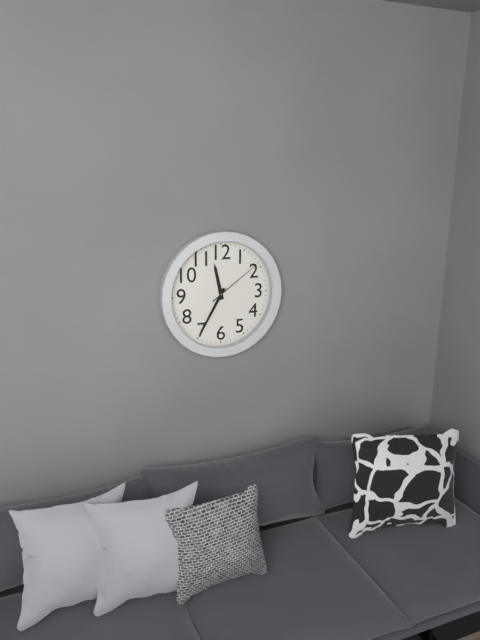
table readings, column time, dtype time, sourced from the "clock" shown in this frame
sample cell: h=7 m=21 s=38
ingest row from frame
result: h=11 m=35 s=9
